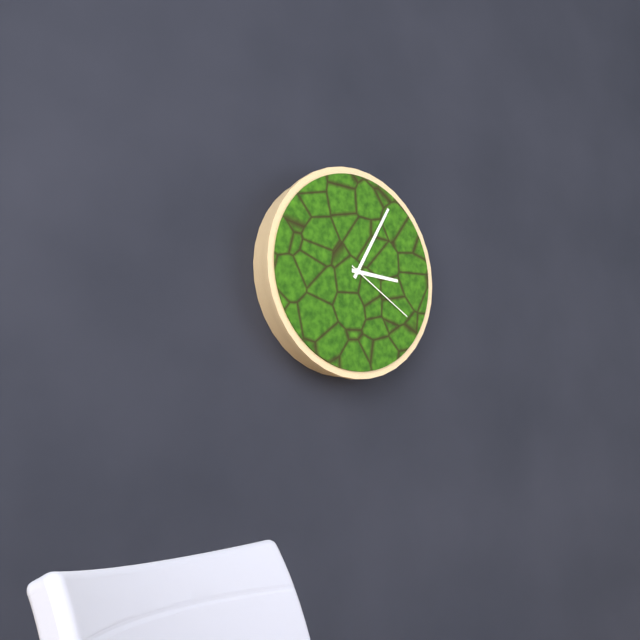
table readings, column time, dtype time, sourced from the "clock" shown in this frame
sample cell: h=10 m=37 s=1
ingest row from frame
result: h=3 m=5 s=20
